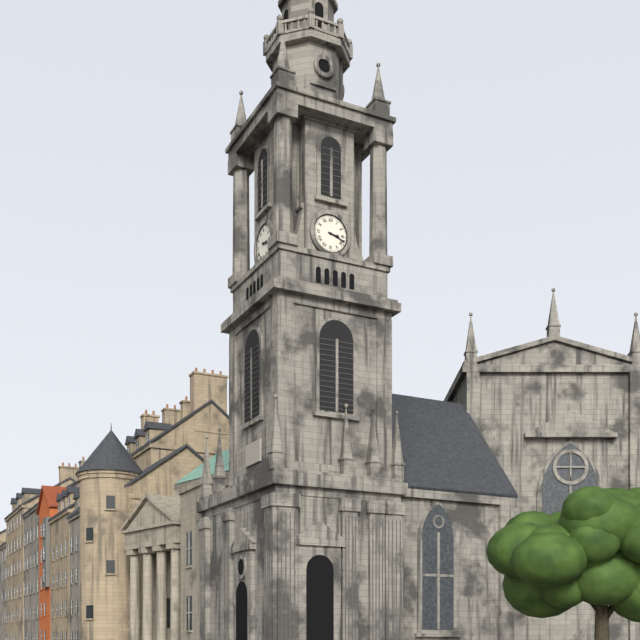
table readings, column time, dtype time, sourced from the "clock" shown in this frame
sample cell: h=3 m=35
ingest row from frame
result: h=3 m=18
